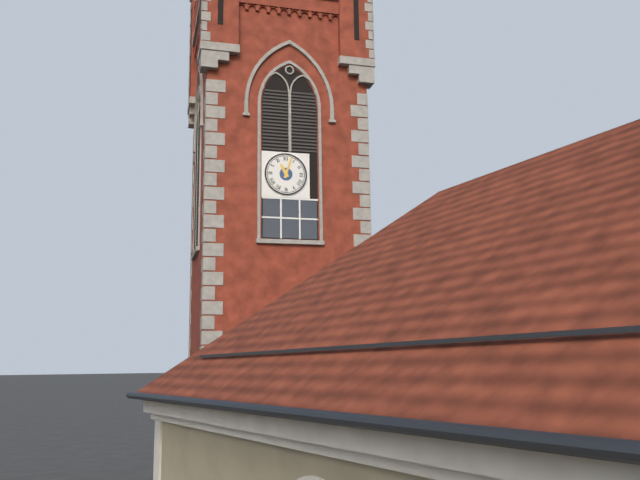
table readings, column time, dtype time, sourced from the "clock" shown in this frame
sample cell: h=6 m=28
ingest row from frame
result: h=11 m=3
